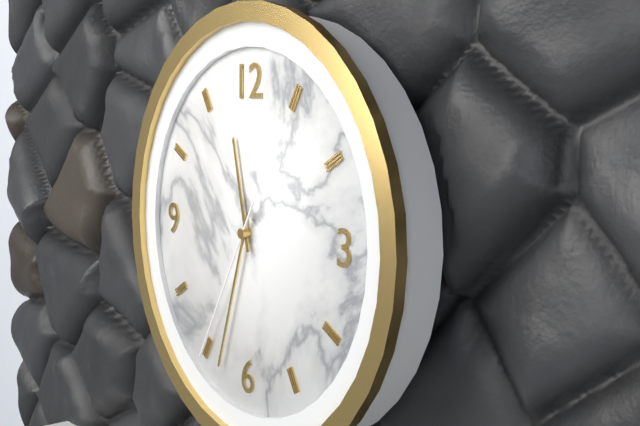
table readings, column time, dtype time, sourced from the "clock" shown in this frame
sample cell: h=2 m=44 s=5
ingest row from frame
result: h=11 m=33 s=35
